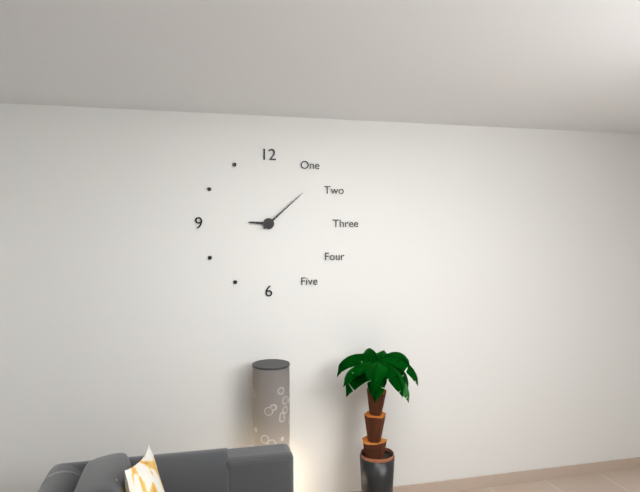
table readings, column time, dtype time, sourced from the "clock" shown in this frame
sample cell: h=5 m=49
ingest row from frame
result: h=9 m=8
